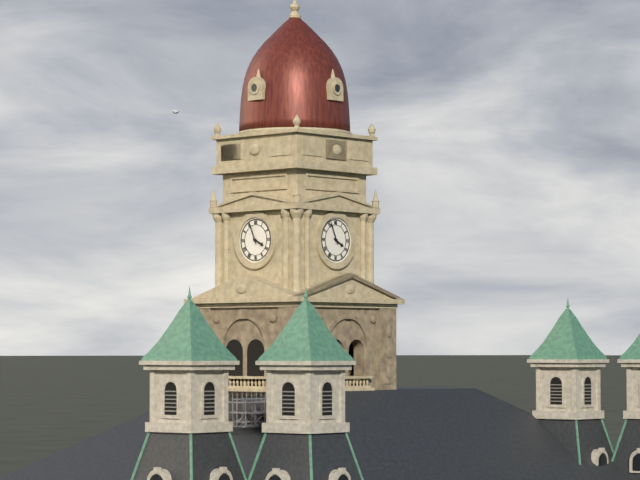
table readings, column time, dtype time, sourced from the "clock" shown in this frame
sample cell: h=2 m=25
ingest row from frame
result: h=3 m=56
